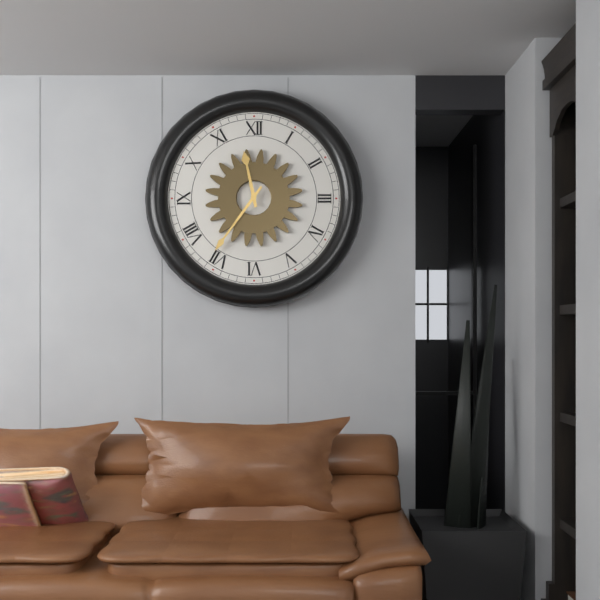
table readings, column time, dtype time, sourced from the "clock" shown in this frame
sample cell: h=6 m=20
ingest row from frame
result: h=11 m=36
